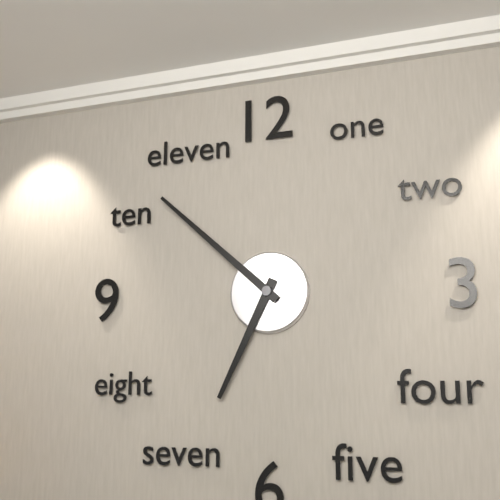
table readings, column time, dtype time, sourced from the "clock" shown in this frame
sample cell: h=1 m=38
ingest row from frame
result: h=6 m=52
